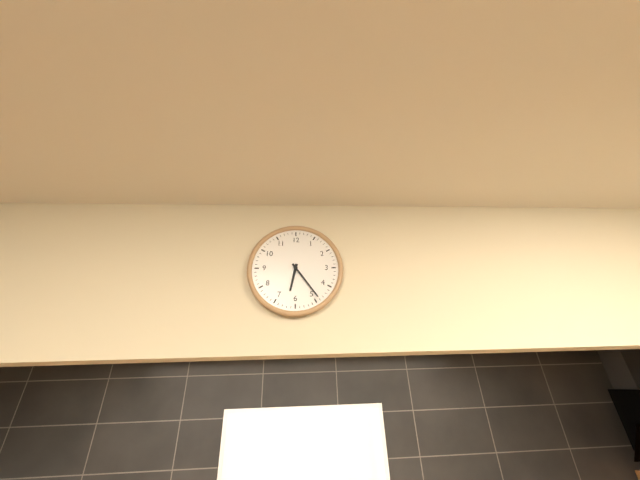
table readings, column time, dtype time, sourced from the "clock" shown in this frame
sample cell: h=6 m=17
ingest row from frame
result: h=6 m=24
